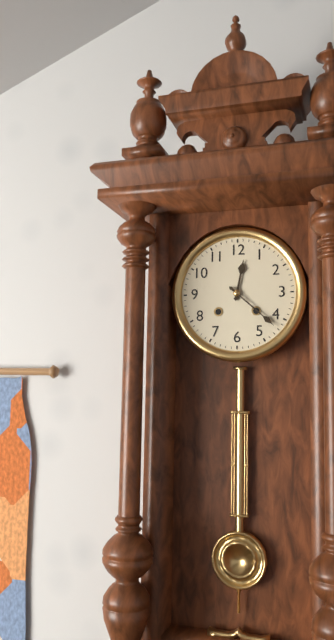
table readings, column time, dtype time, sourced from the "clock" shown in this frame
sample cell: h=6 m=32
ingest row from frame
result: h=12 m=22
